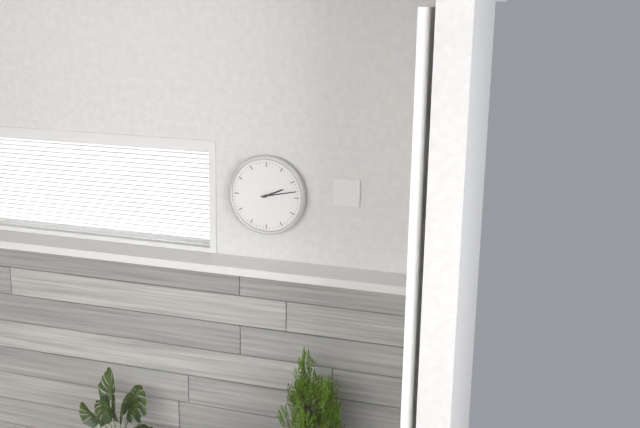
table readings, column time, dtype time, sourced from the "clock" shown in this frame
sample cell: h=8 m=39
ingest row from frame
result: h=2 m=13
